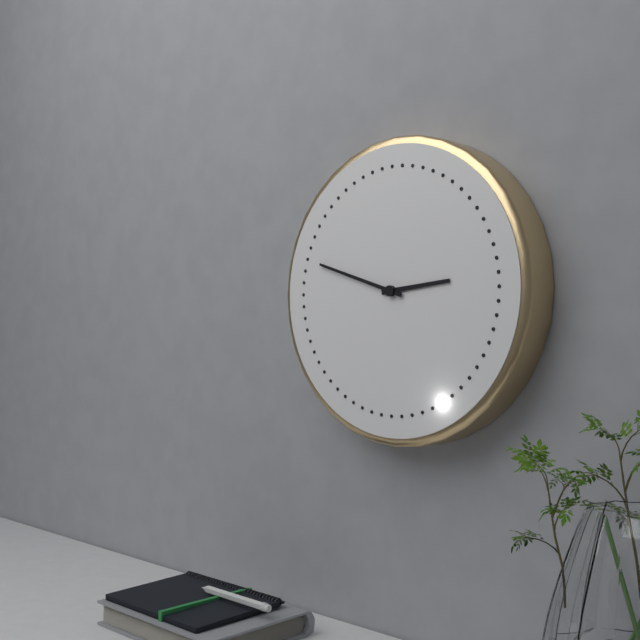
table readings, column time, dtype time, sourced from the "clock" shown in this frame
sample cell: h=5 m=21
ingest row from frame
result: h=2 m=48
